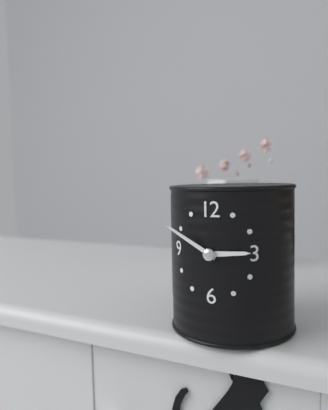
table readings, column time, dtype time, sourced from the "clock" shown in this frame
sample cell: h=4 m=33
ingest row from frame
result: h=2 m=50
